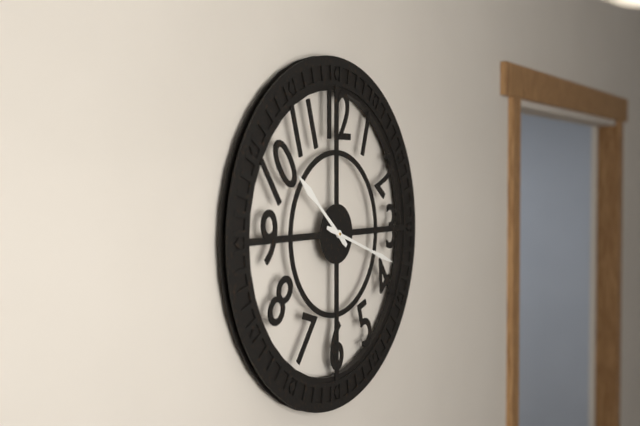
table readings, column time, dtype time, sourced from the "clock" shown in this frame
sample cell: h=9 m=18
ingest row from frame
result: h=10 m=18
